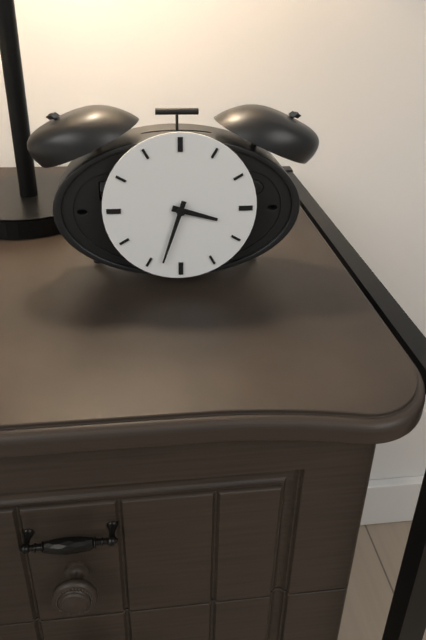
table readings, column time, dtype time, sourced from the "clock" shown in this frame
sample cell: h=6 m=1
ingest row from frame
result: h=3 m=33
